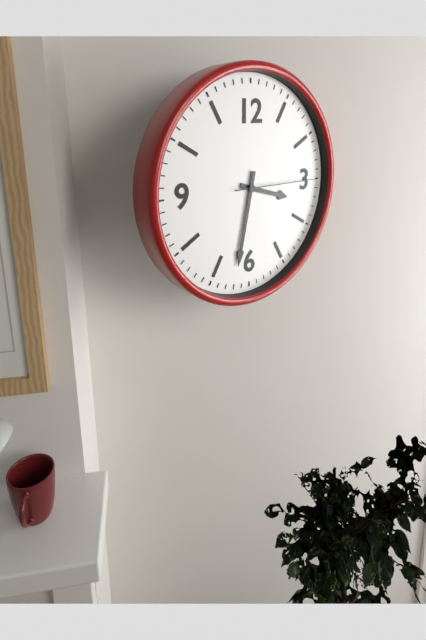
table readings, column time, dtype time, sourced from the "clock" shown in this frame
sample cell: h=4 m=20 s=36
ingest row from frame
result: h=3 m=32 s=15
